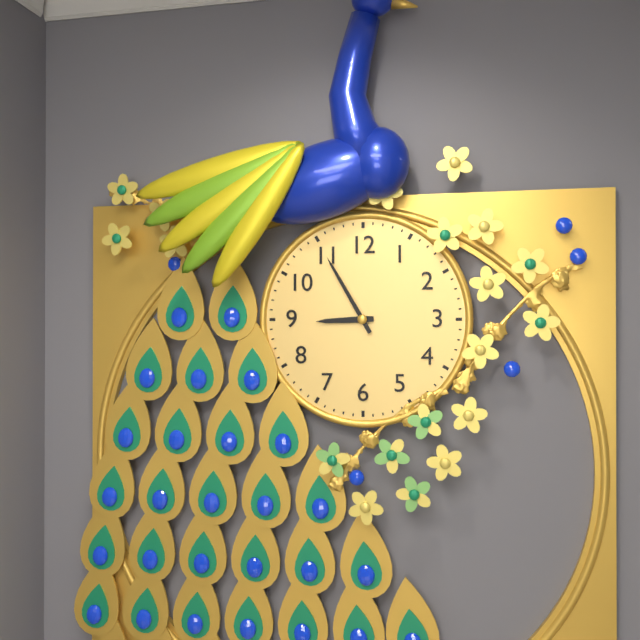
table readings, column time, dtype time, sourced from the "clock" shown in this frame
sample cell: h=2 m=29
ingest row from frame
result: h=8 m=55
